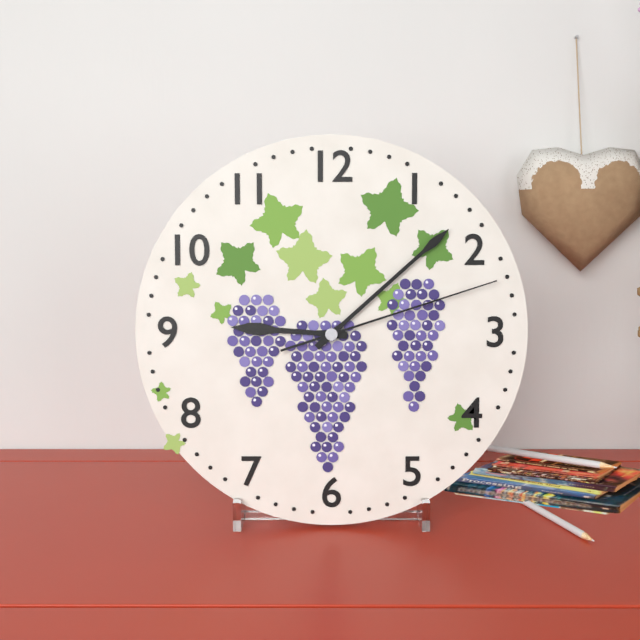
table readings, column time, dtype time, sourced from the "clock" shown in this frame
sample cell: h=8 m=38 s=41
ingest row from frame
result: h=9 m=8 s=12
